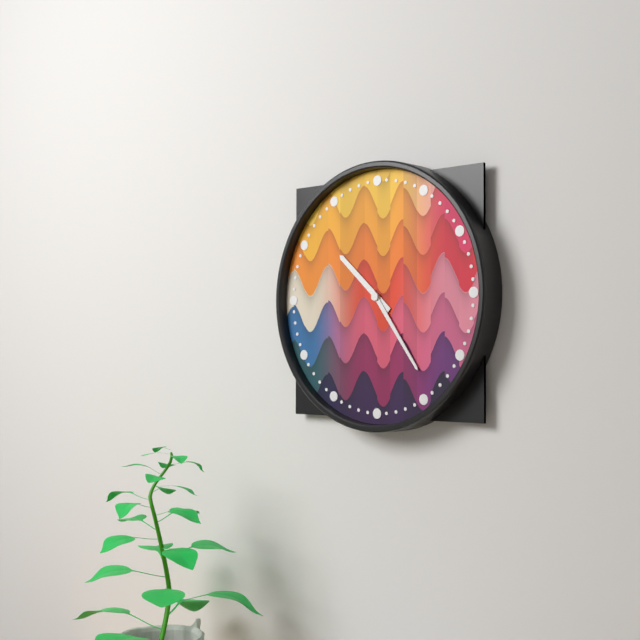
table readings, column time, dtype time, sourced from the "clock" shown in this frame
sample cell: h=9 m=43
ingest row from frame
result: h=10 m=24
